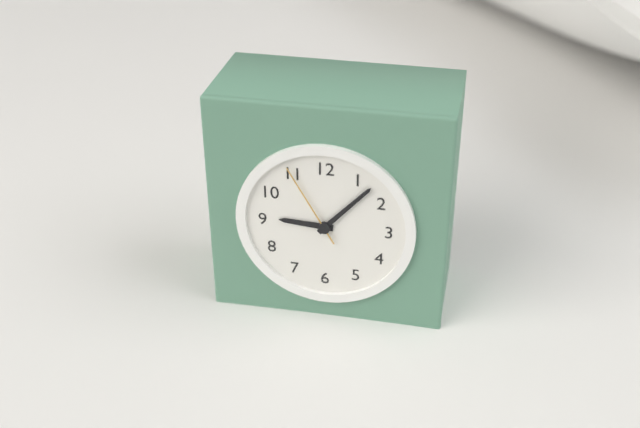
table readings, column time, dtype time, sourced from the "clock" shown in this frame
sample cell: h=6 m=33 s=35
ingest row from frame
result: h=9 m=7 s=55
